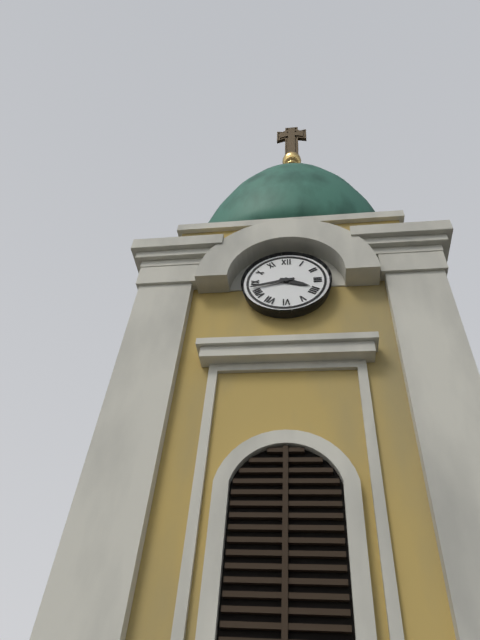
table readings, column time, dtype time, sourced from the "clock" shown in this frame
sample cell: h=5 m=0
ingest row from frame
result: h=3 m=43
